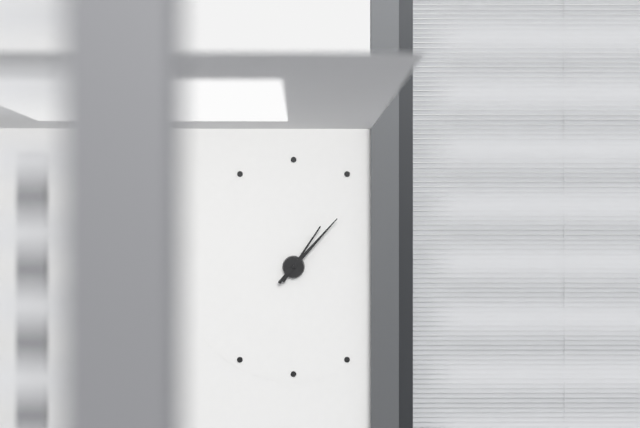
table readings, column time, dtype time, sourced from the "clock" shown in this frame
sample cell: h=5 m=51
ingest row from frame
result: h=1 m=7
